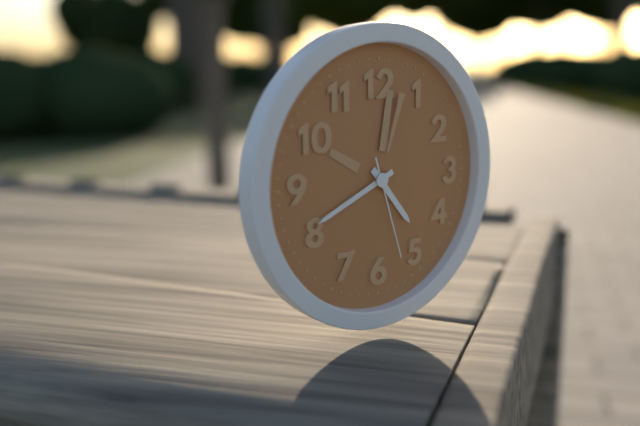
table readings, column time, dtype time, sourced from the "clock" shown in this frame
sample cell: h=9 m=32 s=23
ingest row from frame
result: h=4 m=41 s=27
